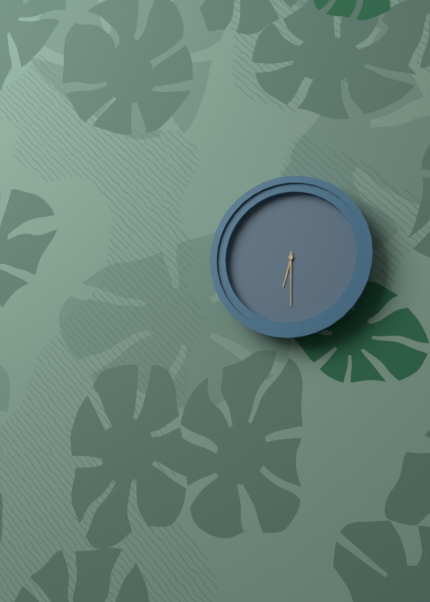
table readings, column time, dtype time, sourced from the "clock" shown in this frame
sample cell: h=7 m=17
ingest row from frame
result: h=6 m=30
